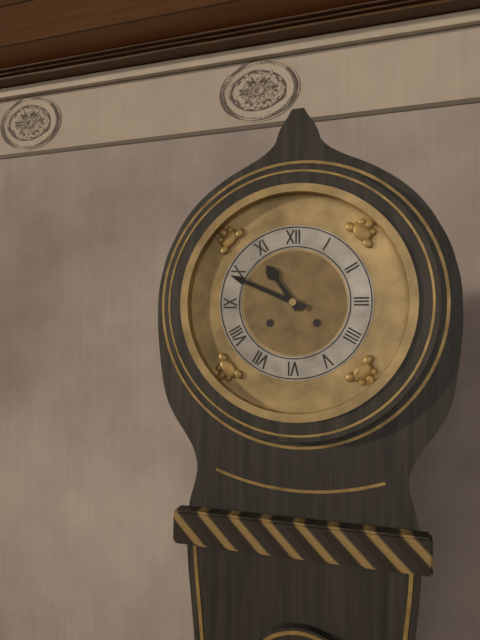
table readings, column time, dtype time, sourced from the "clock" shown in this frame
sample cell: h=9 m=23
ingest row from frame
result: h=10 m=49
